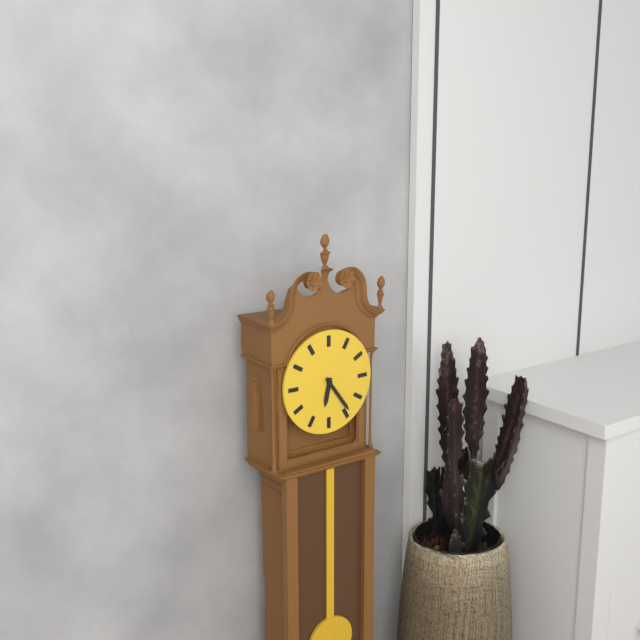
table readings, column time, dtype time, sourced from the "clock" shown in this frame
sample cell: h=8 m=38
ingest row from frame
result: h=6 m=24
